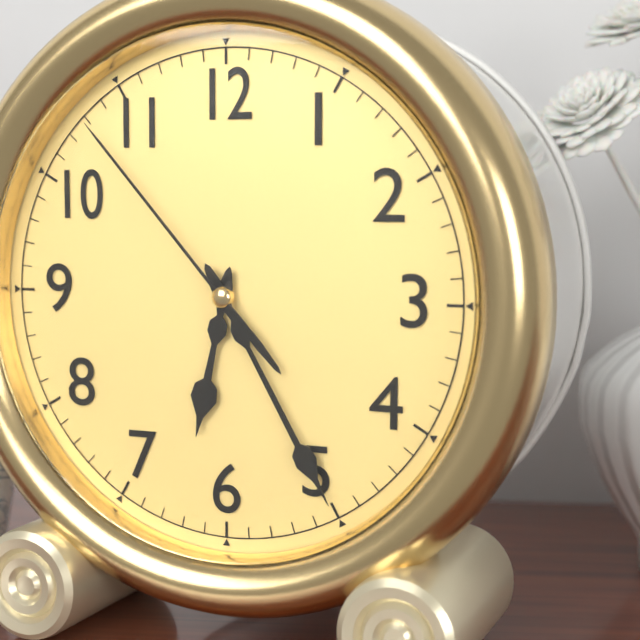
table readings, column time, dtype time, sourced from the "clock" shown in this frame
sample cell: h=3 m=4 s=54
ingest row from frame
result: h=6 m=25 s=53
